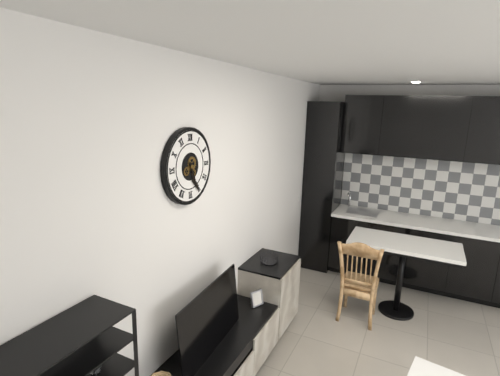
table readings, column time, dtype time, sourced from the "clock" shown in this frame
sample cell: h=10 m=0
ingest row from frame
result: h=5 m=26
